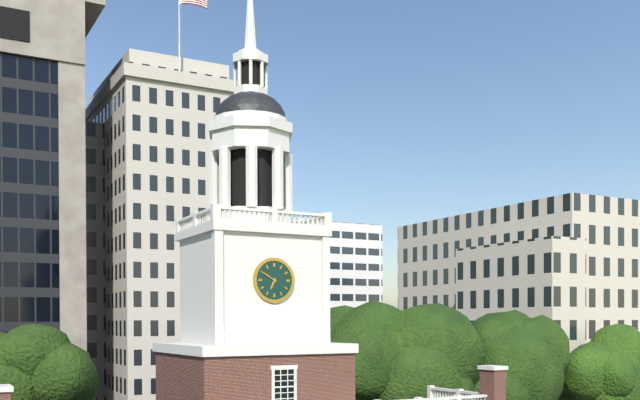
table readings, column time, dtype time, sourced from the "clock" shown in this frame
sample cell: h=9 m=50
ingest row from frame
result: h=6 m=50
